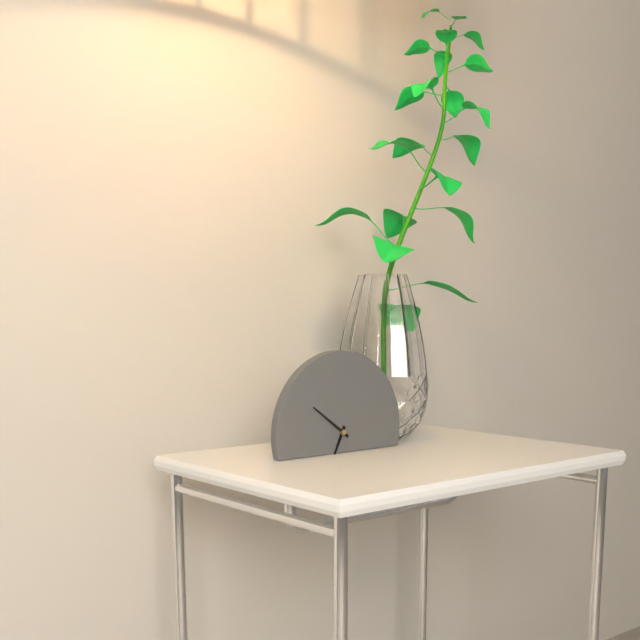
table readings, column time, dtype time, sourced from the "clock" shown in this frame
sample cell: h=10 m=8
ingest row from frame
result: h=6 m=51
